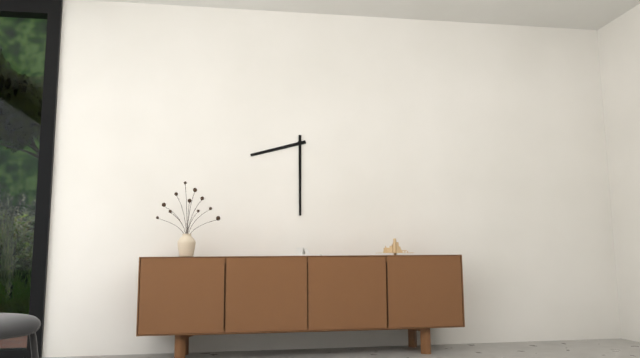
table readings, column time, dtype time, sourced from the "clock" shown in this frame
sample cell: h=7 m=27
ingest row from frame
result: h=8 m=30
